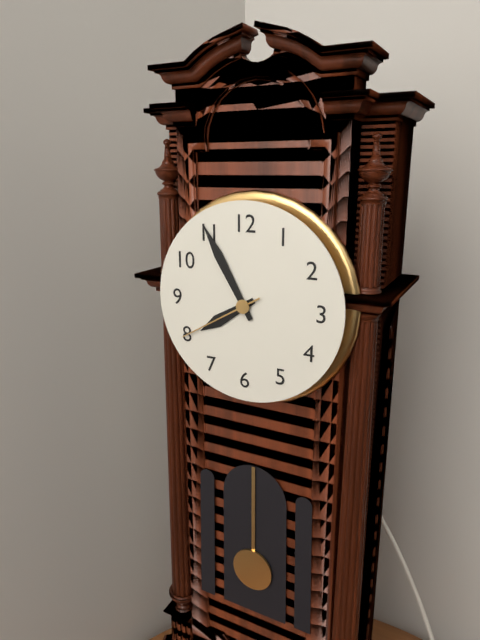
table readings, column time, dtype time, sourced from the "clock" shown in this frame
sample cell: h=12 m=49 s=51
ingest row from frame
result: h=7 m=55 s=40
